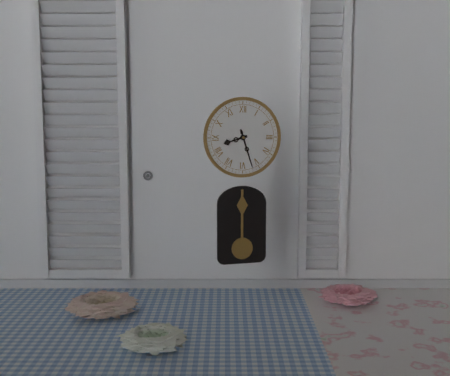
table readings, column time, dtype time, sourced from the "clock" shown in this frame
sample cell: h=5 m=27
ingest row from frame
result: h=8 m=27
